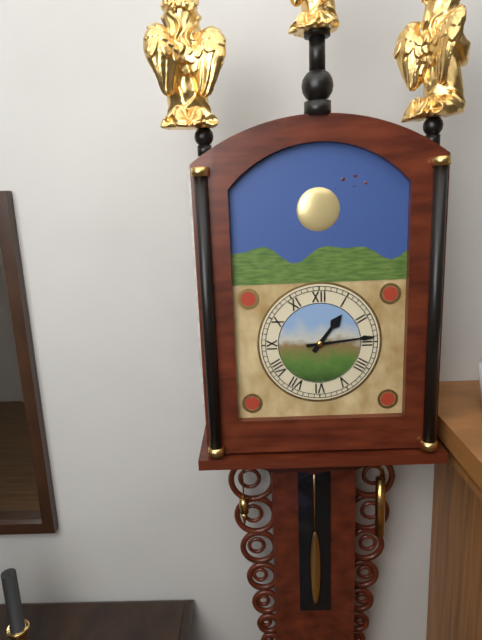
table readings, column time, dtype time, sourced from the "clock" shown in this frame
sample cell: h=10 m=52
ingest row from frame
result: h=1 m=14
